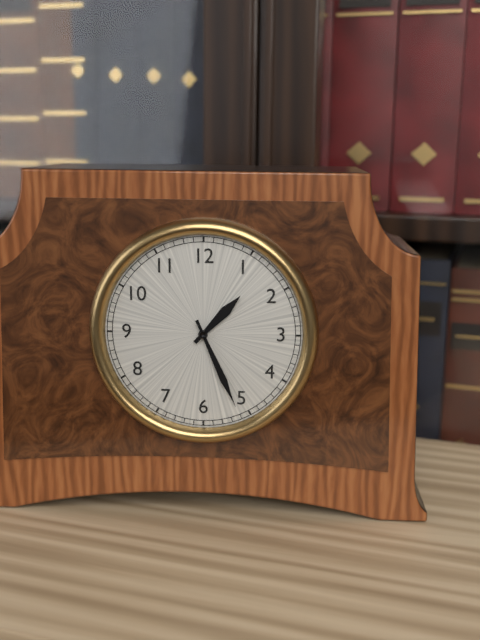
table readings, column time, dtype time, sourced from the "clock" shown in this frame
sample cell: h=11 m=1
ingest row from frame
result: h=1 m=26
